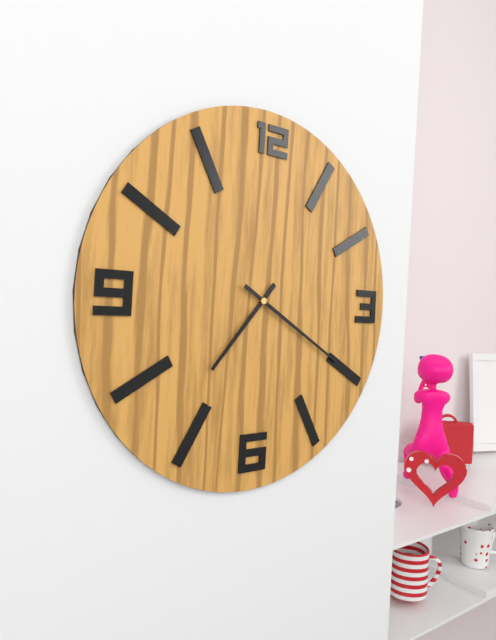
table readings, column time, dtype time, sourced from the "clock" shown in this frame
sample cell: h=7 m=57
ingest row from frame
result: h=7 m=20
